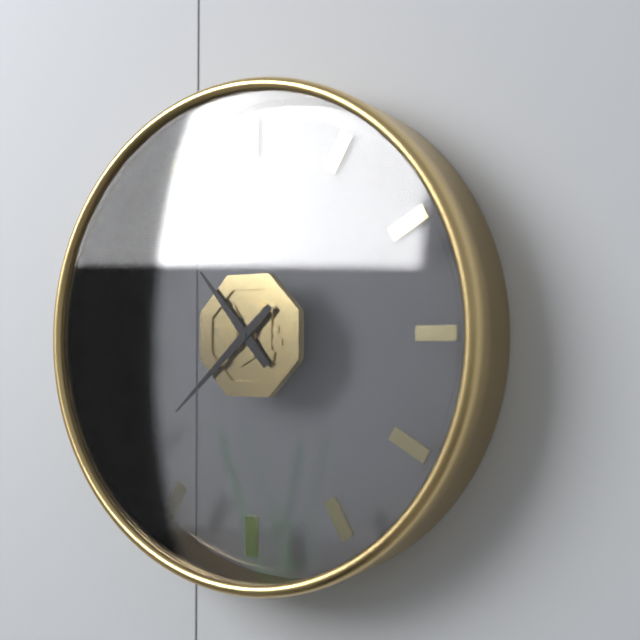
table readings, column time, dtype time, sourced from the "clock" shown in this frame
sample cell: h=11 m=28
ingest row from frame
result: h=10 m=38
